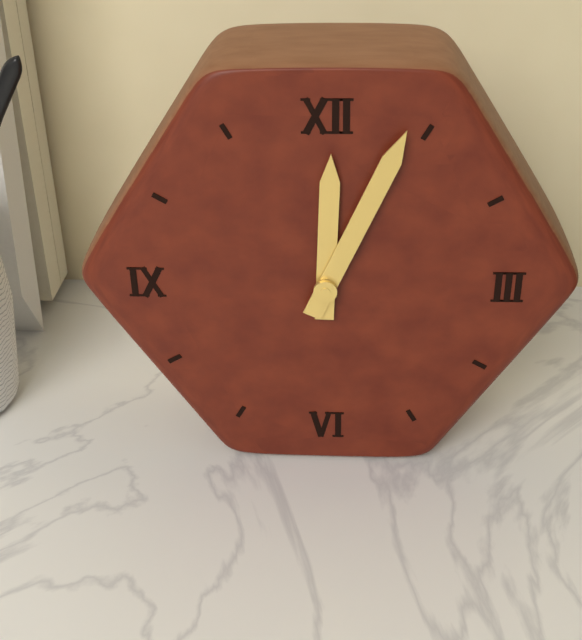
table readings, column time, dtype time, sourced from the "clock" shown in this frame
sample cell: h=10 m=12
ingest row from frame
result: h=12 m=4
